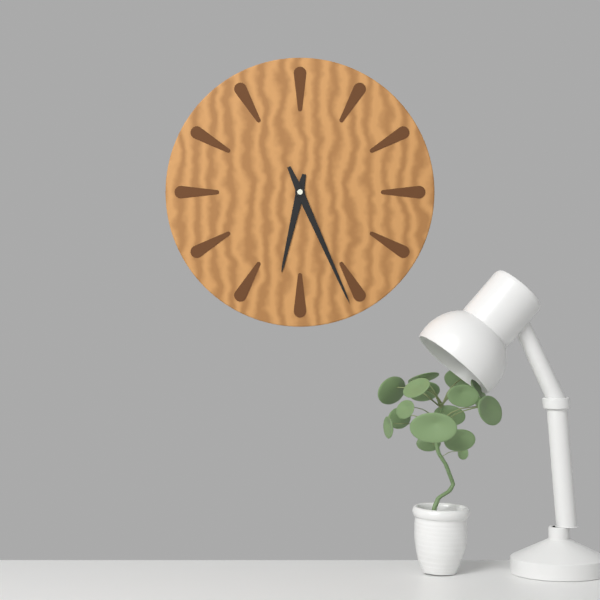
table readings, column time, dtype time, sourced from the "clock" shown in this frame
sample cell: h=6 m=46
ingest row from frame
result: h=6 m=26
